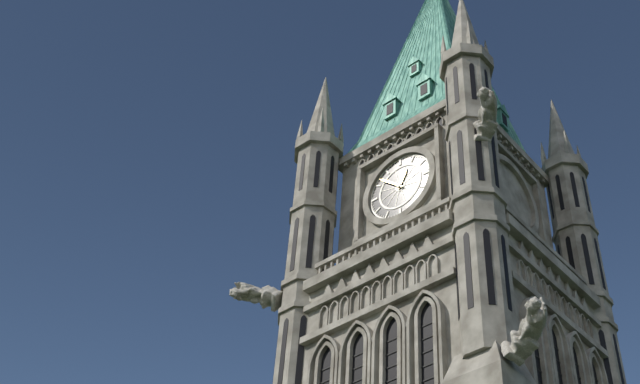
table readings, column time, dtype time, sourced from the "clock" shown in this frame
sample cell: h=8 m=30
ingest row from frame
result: h=12 m=52
